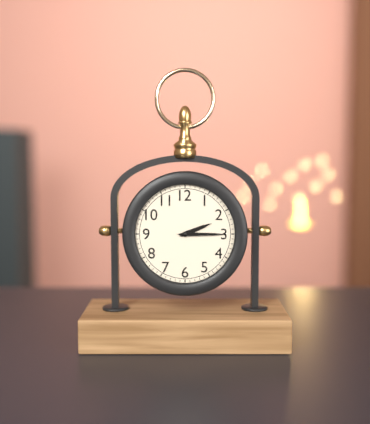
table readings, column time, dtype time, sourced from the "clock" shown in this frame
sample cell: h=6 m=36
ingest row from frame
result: h=2 m=15
